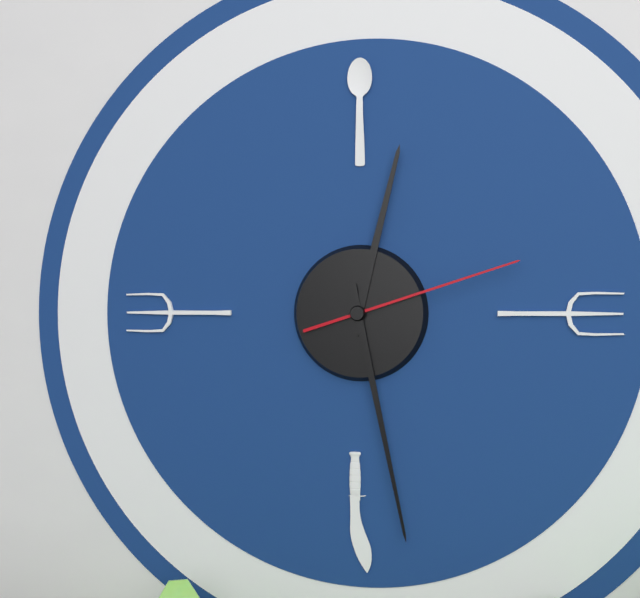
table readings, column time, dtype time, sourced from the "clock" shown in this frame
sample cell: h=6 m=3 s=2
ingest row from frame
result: h=12 m=28 s=12
